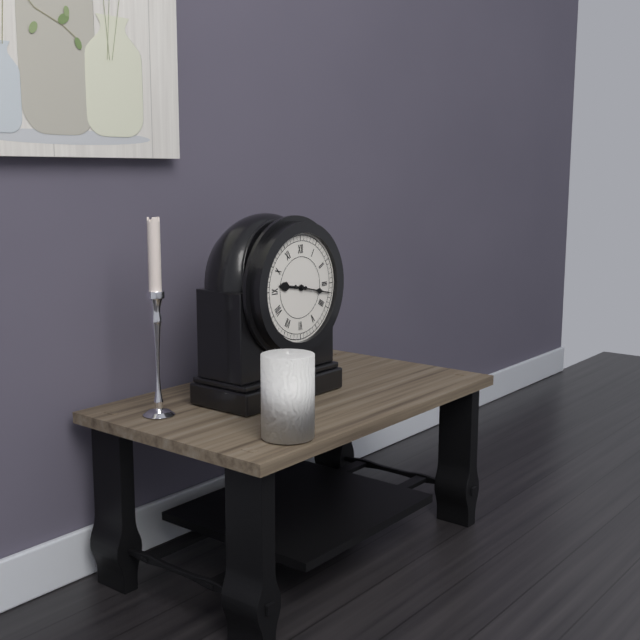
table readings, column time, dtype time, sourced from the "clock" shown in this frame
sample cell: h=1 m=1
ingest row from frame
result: h=9 m=17
